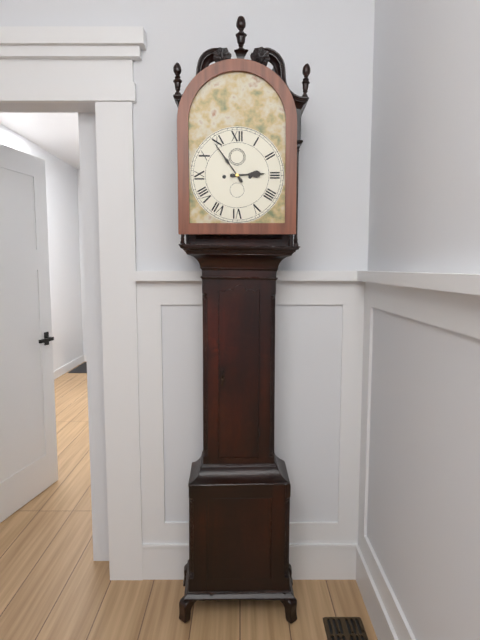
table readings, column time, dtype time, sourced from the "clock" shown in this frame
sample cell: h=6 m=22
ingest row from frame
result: h=2 m=54
